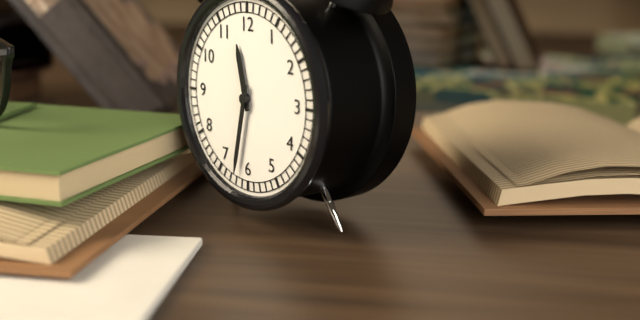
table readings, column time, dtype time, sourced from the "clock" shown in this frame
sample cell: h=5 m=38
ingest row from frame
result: h=11 m=32
